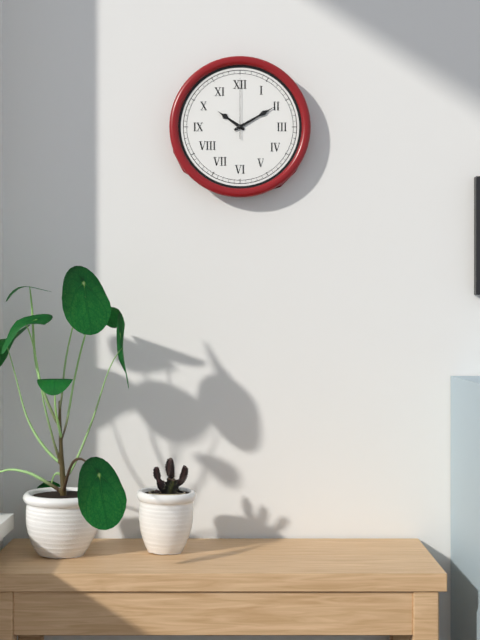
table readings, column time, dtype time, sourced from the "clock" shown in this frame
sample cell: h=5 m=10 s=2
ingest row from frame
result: h=10 m=10 s=0
